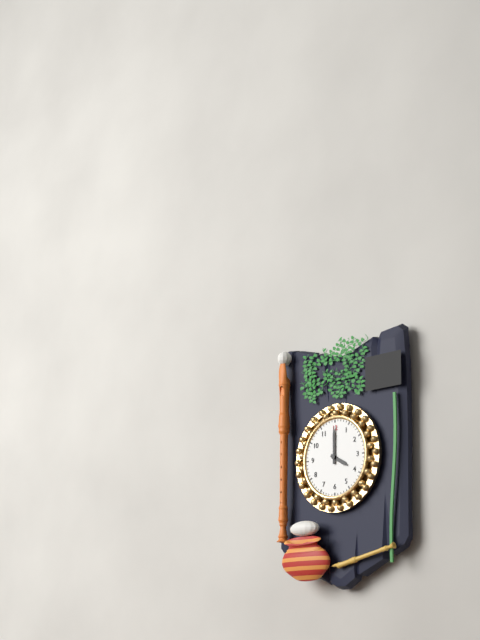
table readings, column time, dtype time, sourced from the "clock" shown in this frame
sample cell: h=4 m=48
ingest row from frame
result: h=4 m=0
